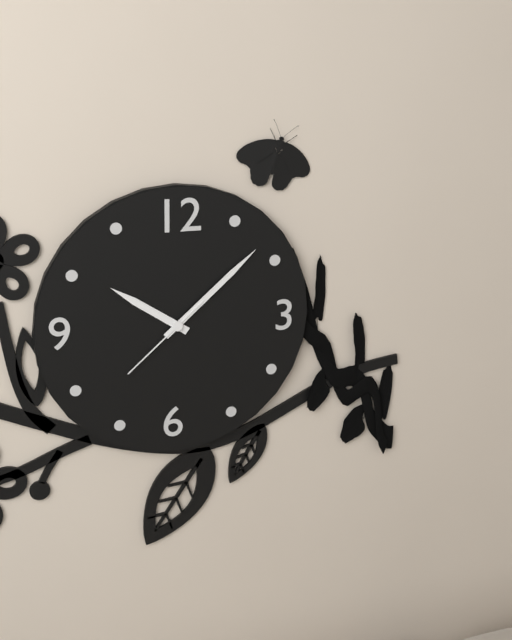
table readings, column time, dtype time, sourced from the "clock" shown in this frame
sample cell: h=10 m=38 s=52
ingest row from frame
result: h=10 m=8 s=38
